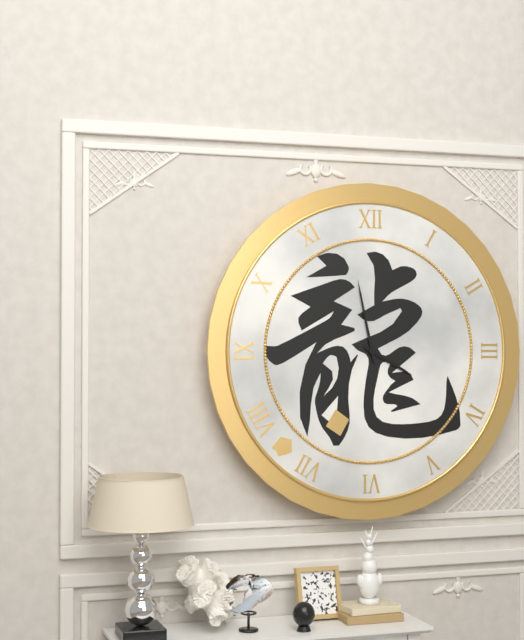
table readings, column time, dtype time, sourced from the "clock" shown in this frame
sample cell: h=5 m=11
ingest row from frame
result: h=3 m=58
